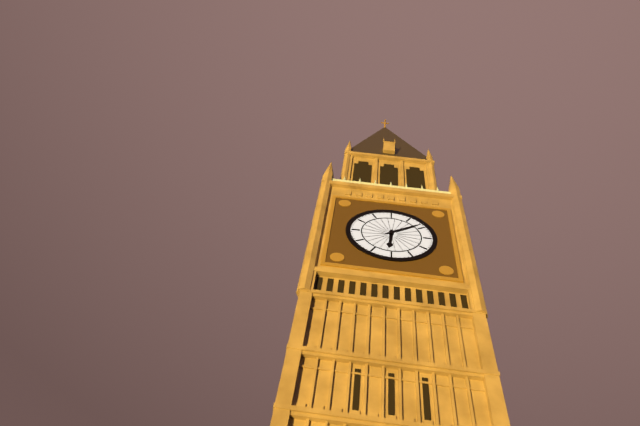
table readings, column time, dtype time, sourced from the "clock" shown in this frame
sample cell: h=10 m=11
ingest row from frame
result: h=6 m=9
